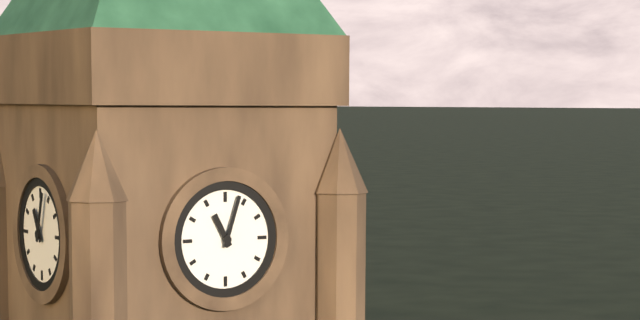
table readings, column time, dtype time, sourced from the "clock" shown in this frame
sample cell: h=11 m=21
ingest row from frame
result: h=11 m=3
